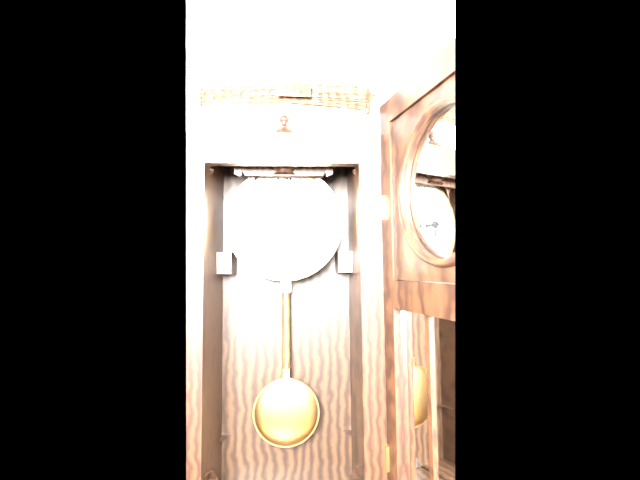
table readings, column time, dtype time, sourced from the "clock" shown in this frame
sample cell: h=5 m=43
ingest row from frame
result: h=9 m=14
